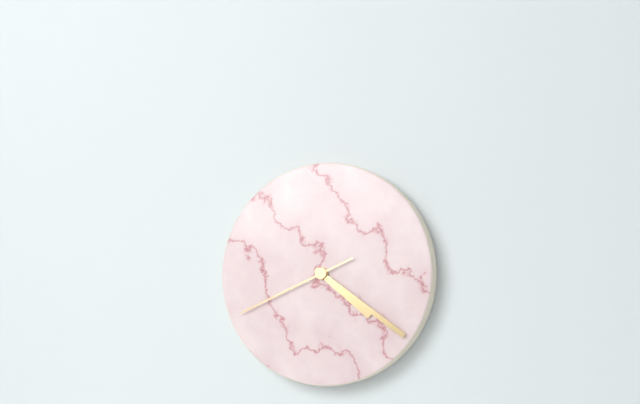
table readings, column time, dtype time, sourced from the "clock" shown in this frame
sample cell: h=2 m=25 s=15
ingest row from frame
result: h=4 m=21 s=41
